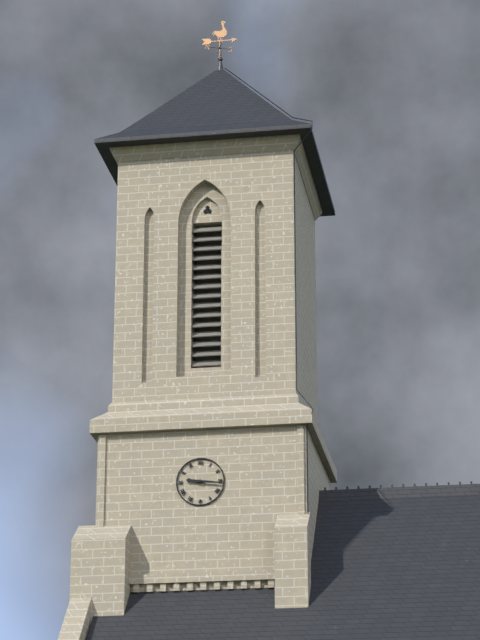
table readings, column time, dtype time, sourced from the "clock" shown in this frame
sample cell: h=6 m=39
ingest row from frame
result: h=9 m=16
